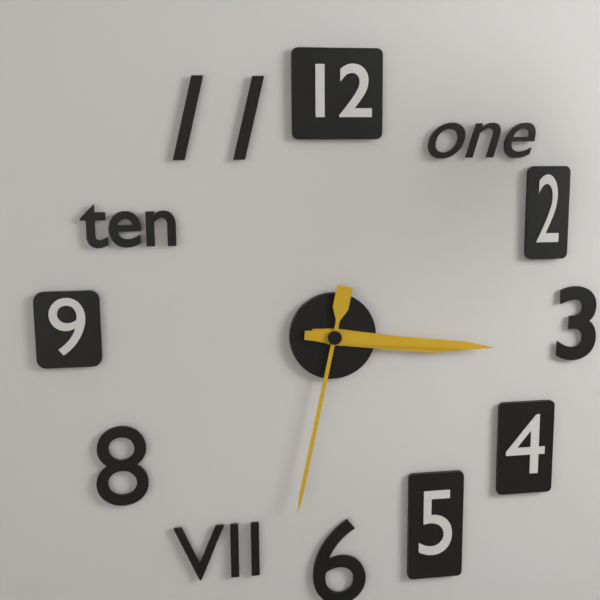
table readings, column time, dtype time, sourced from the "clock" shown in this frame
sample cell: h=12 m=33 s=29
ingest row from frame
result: h=3 m=16 s=32
